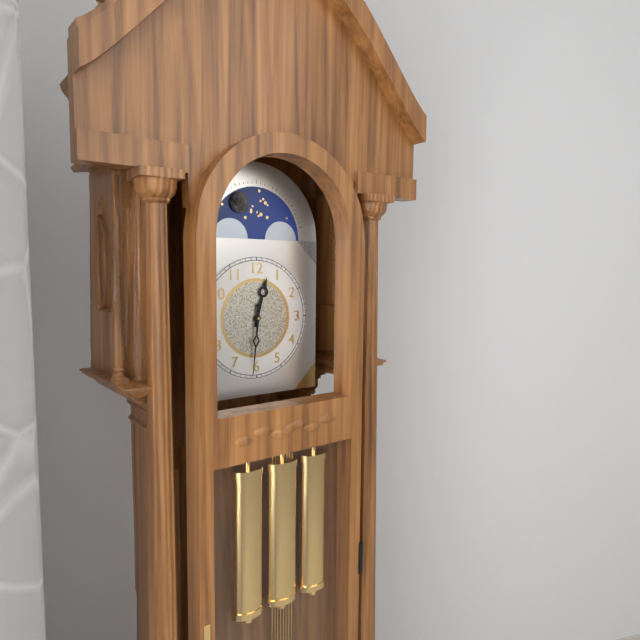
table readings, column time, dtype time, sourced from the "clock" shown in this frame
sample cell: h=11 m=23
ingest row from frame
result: h=12 m=31
